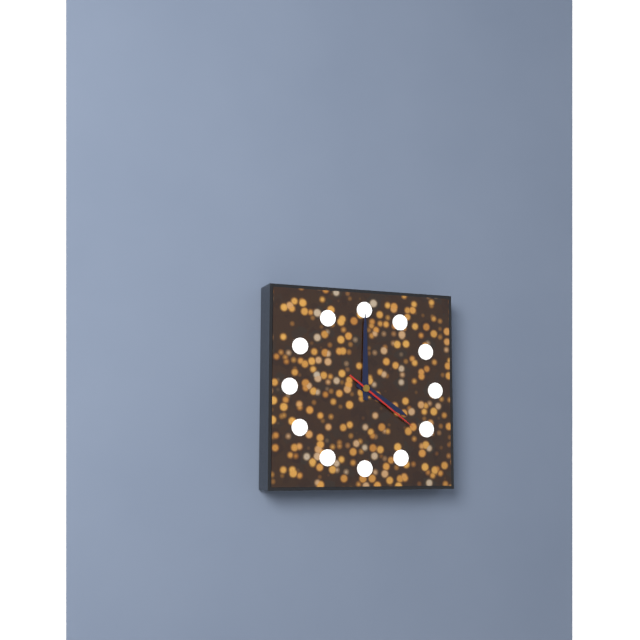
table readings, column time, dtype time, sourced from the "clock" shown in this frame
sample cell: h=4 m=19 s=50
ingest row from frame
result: h=4 m=0 s=21
